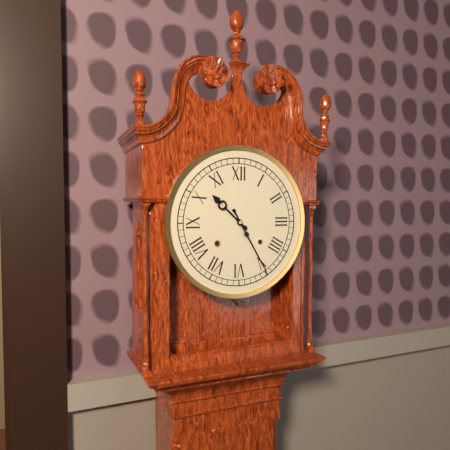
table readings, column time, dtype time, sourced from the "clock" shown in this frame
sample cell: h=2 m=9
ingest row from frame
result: h=10 m=25
